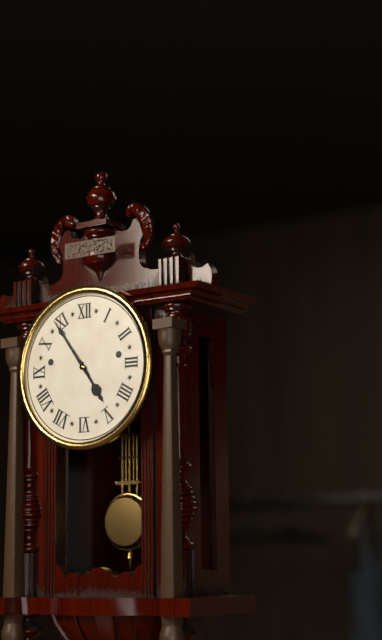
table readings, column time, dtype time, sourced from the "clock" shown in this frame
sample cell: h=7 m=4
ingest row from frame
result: h=4 m=54
